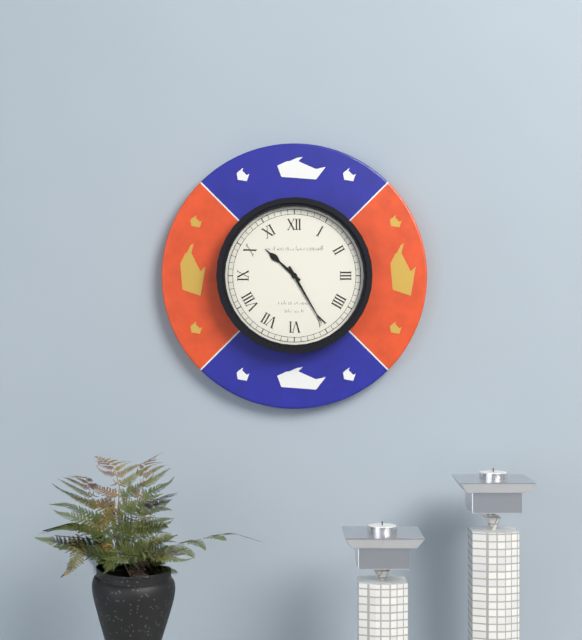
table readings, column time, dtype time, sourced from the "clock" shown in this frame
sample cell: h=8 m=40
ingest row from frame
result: h=10 m=25
